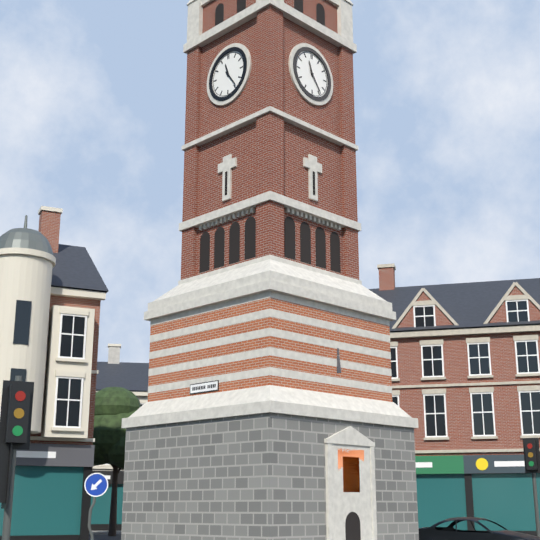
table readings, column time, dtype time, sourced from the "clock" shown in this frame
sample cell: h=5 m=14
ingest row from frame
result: h=11 m=24
